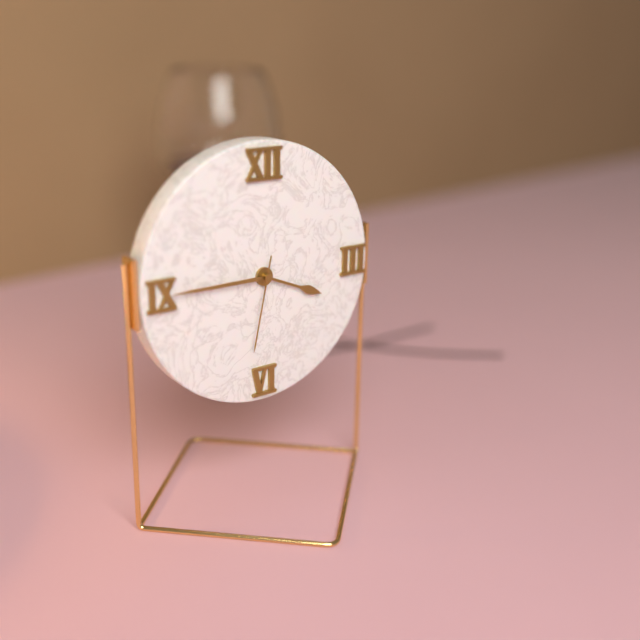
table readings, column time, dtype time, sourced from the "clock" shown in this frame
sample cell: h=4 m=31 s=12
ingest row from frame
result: h=3 m=45 s=32
